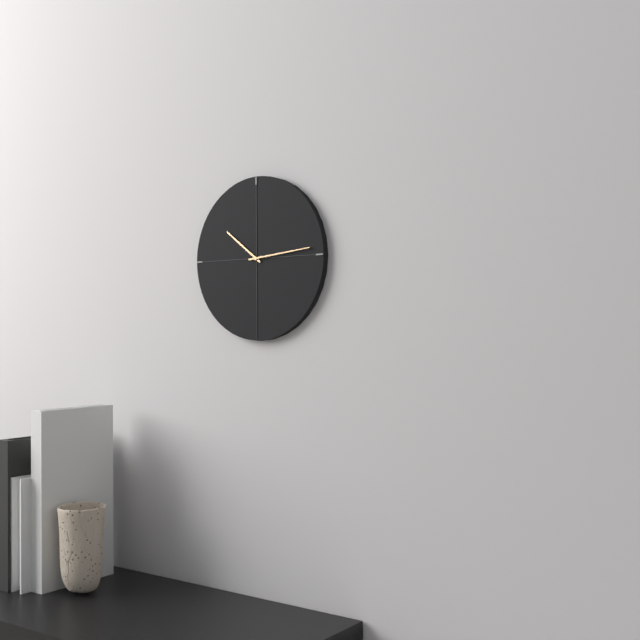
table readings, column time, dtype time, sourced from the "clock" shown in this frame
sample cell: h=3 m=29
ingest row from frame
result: h=10 m=14
